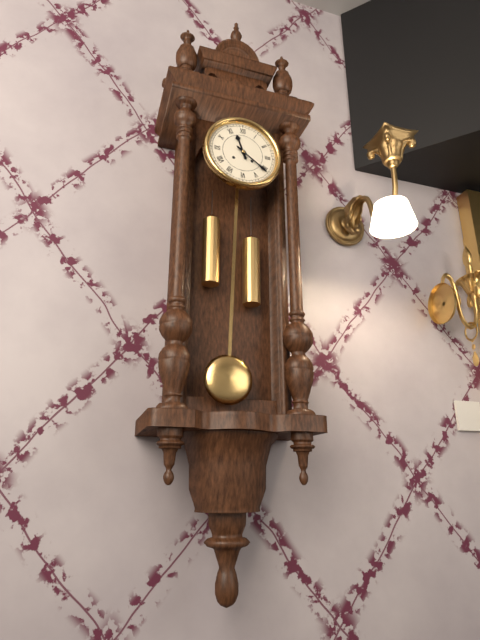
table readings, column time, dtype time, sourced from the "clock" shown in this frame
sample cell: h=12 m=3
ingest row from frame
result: h=11 m=21
